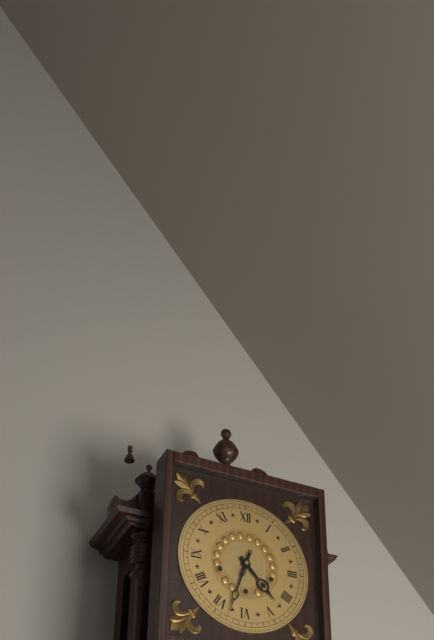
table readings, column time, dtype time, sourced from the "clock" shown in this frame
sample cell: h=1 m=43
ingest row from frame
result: h=4 m=33
